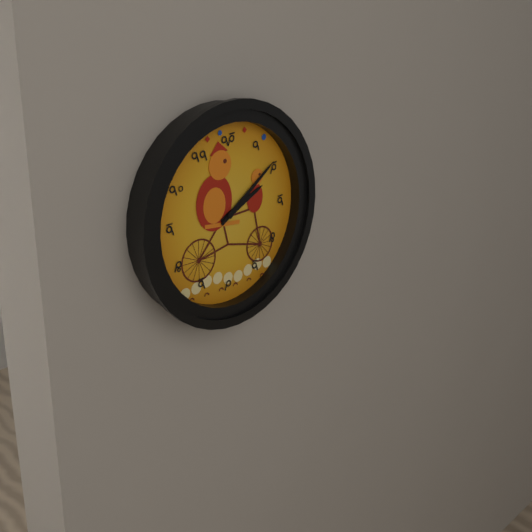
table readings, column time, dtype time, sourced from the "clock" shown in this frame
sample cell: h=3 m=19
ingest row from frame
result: h=2 m=9
